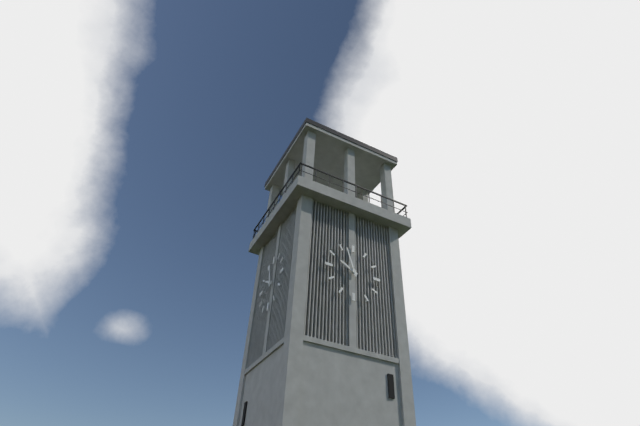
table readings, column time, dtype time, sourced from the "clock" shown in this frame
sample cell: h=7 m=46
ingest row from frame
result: h=9 m=57
